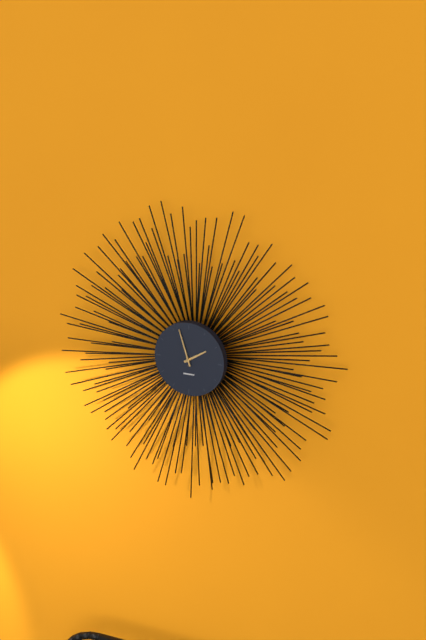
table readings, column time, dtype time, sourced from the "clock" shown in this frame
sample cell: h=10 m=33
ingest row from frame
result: h=1 m=57
